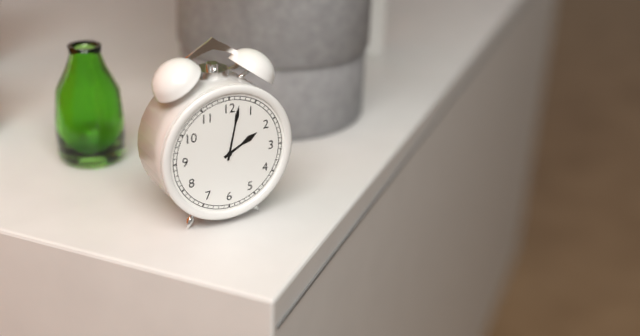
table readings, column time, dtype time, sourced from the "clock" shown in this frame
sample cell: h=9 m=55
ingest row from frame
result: h=2 m=2
